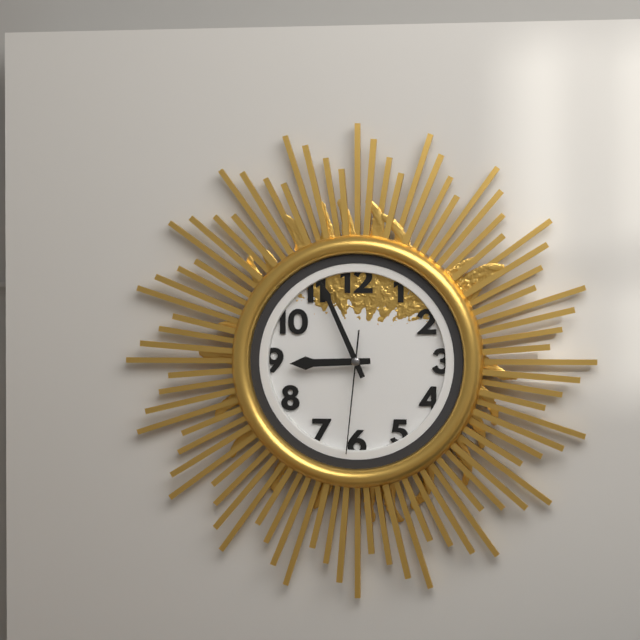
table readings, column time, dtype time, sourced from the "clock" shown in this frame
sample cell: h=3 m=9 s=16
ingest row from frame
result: h=8 m=56 s=31
